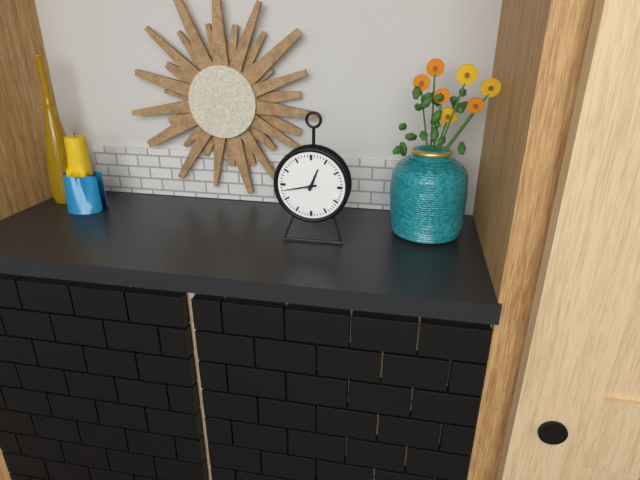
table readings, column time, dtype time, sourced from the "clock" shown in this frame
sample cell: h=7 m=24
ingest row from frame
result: h=12 m=43
